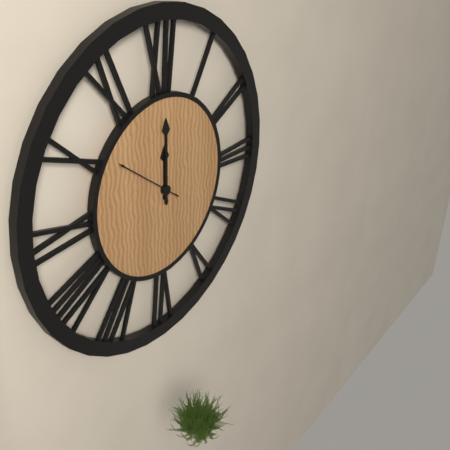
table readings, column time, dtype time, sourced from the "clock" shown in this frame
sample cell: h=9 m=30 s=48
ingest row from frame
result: h=12 m=0 s=51
